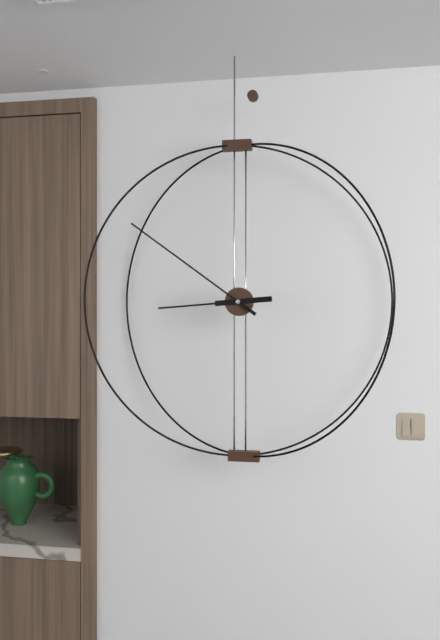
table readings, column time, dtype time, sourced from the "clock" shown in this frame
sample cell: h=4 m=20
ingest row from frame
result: h=8 m=51
